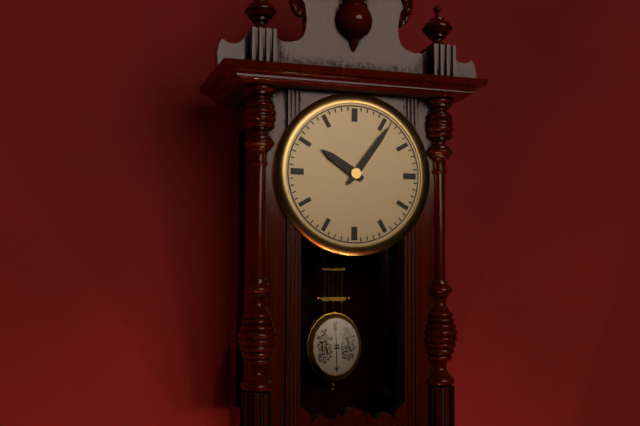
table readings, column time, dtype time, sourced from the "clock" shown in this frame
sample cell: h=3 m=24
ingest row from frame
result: h=10 m=6
